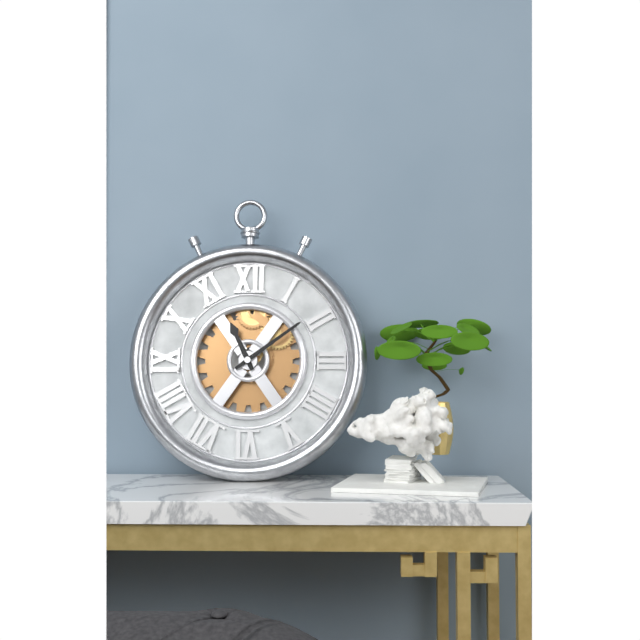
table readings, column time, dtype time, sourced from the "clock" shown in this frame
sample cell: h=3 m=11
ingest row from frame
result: h=11 m=9
